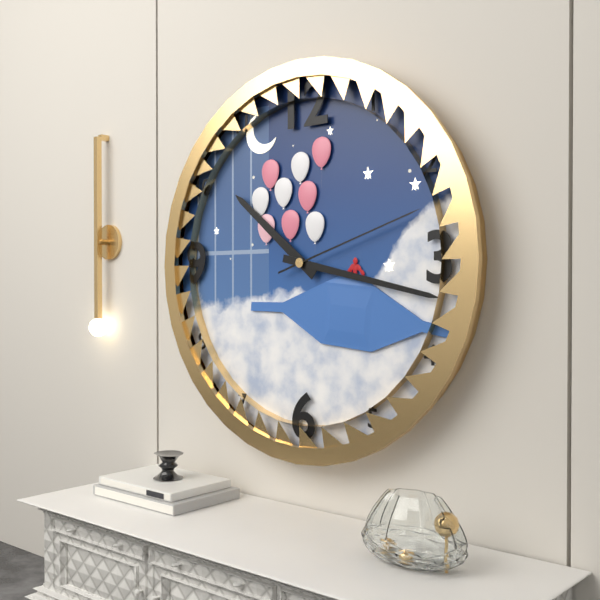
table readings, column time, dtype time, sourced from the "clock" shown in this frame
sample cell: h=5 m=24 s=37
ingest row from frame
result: h=10 m=17 s=12
